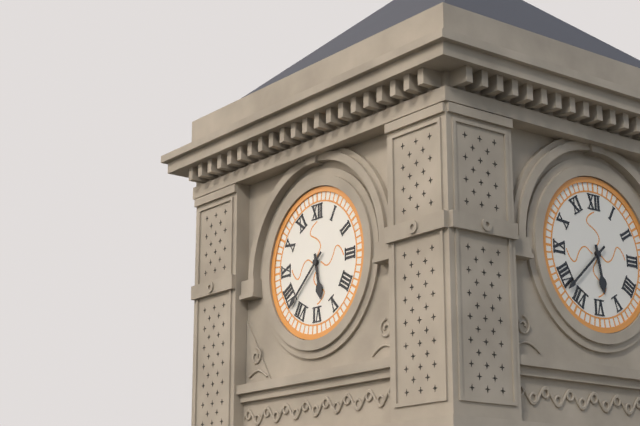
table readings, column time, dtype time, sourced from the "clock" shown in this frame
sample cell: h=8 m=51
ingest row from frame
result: h=5 m=38
